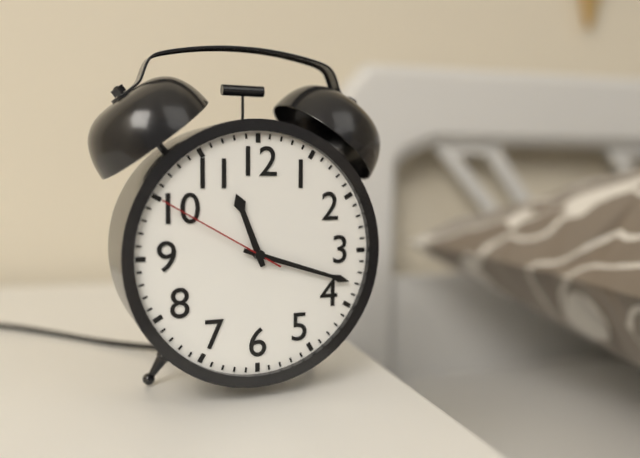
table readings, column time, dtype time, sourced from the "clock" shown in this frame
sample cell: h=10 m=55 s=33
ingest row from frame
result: h=11 m=18 s=50
